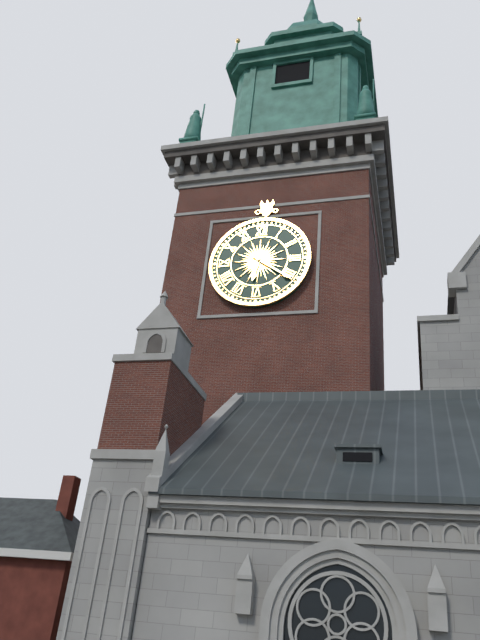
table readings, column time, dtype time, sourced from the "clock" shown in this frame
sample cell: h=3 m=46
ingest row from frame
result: h=6 m=21
